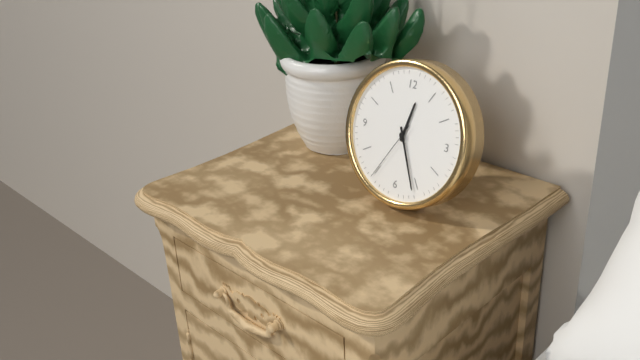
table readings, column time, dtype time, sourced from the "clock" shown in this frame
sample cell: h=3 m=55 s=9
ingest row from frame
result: h=12 m=26 s=35
